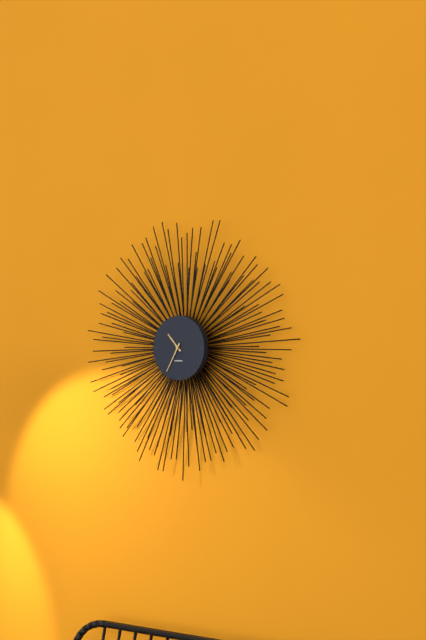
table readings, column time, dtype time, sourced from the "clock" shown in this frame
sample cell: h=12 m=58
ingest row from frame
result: h=10 m=35
